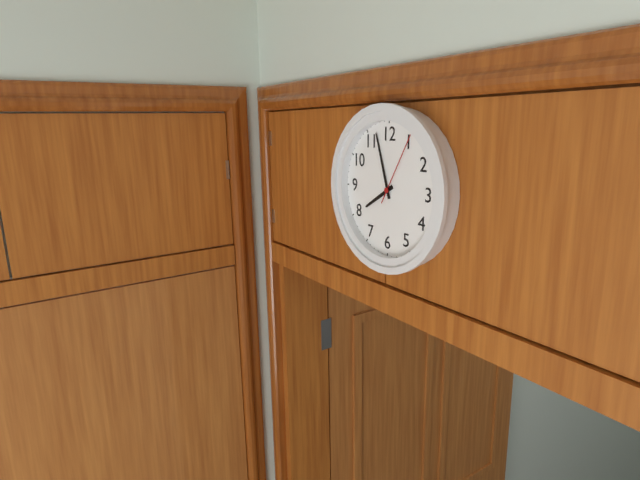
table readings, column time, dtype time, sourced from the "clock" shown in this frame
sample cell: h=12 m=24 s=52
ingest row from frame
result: h=7 m=57 s=5
